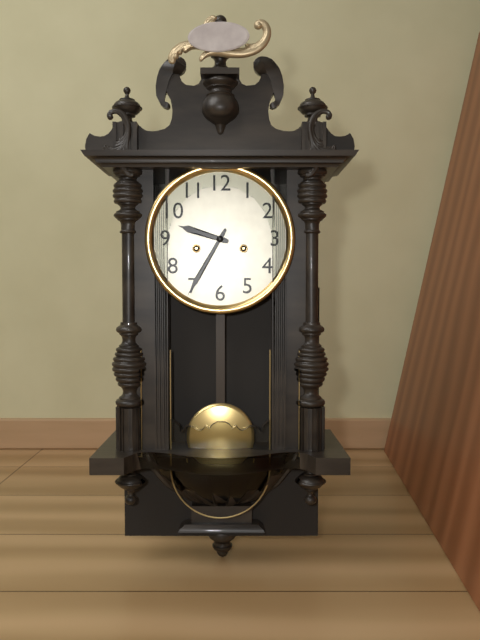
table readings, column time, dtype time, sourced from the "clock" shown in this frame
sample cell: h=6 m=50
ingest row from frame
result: h=9 m=35
